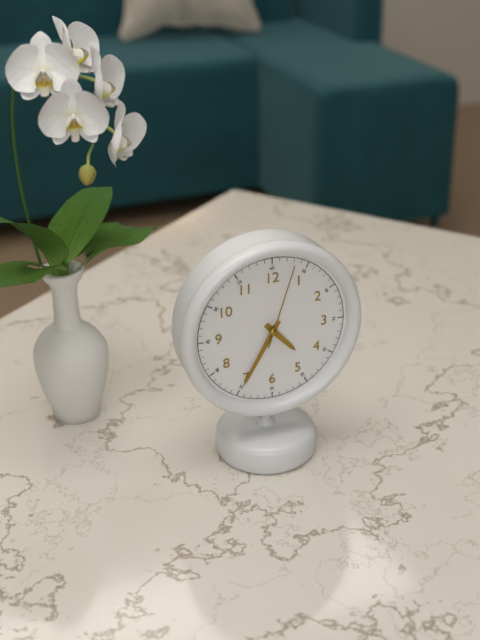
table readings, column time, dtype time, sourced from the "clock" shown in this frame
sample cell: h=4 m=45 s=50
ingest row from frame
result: h=4 m=35 s=3
